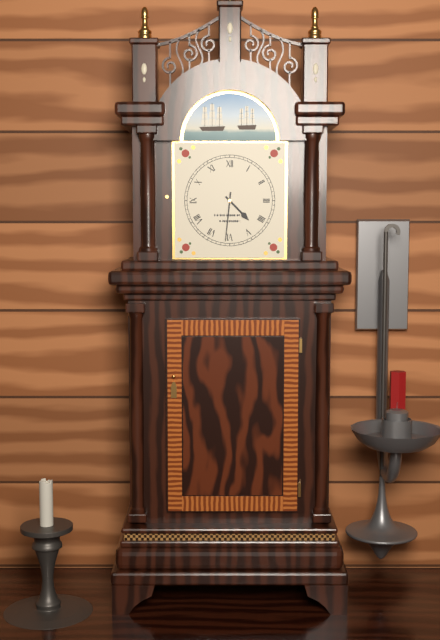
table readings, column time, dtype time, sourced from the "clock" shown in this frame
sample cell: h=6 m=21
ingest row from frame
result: h=4 m=31
